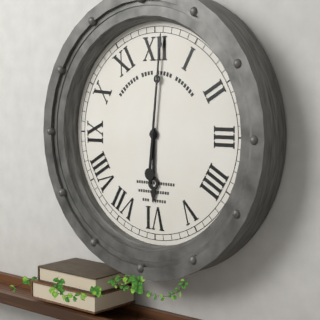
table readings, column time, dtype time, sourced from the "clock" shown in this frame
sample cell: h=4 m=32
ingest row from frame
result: h=6 m=1
